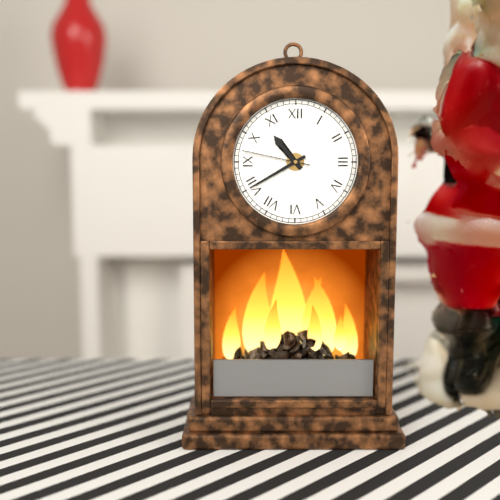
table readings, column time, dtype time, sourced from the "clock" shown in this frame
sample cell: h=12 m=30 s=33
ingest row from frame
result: h=10 m=40 s=47
